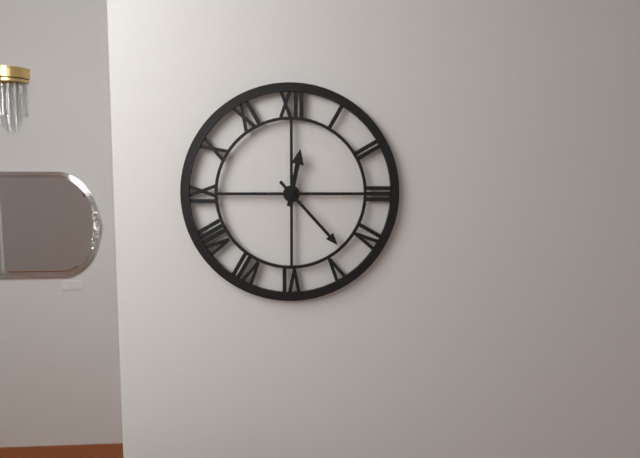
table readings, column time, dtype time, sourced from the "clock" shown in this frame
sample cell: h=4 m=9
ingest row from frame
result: h=12 m=23
